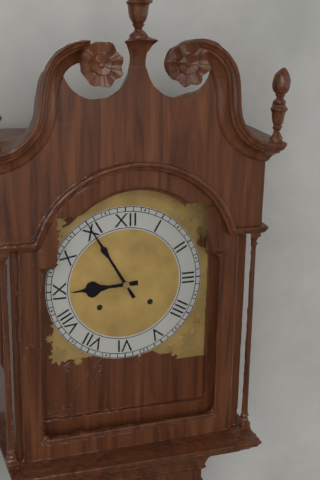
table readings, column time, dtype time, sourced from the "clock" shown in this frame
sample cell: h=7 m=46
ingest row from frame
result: h=8 m=55
